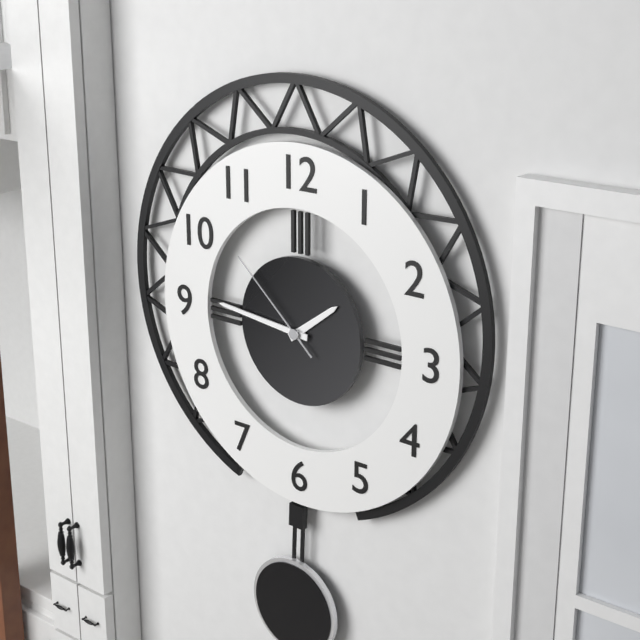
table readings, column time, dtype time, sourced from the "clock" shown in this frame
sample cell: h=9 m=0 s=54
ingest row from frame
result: h=1 m=46 s=52
